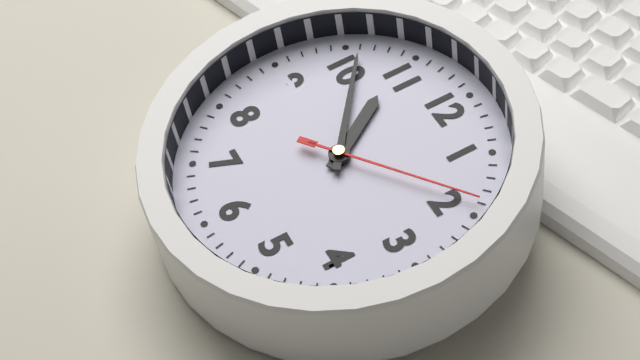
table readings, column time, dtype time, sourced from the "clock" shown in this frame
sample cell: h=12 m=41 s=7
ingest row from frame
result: h=10 m=51 s=9
